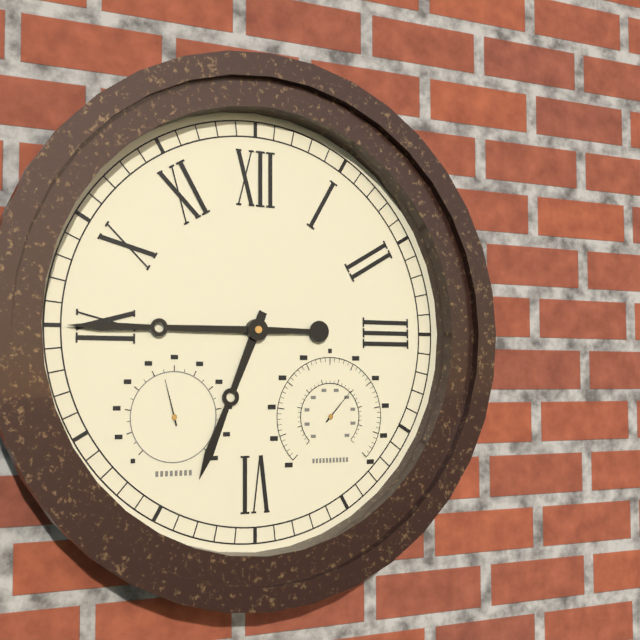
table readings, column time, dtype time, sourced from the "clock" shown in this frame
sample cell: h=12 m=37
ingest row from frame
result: h=6 m=45
